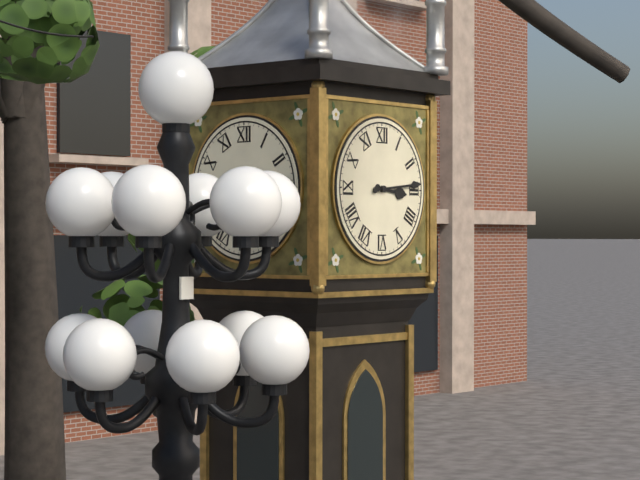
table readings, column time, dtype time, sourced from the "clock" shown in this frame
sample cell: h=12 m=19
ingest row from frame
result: h=3 m=14
